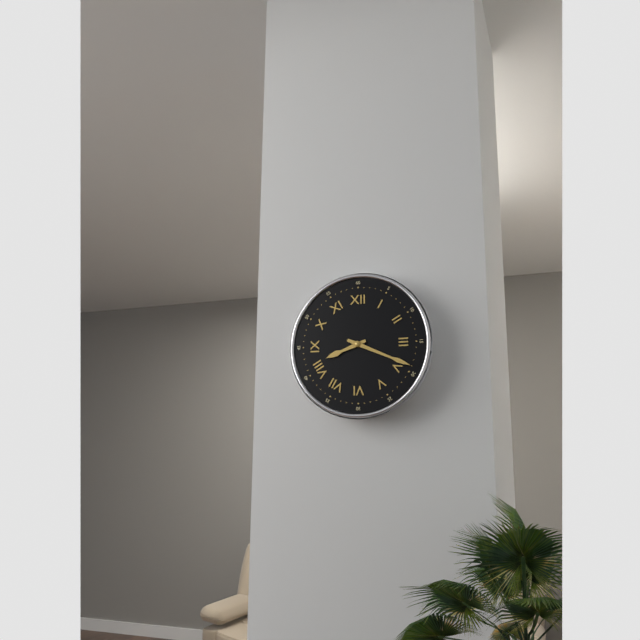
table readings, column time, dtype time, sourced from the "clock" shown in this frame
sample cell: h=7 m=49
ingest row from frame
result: h=8 m=19
